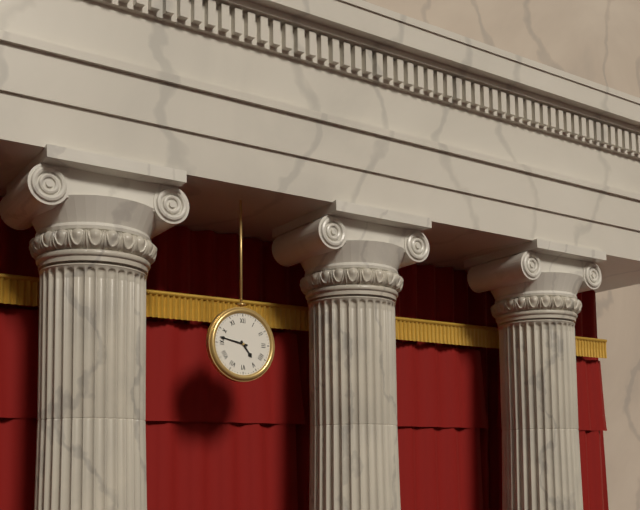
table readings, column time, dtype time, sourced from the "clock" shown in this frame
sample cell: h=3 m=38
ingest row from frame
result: h=4 m=47
